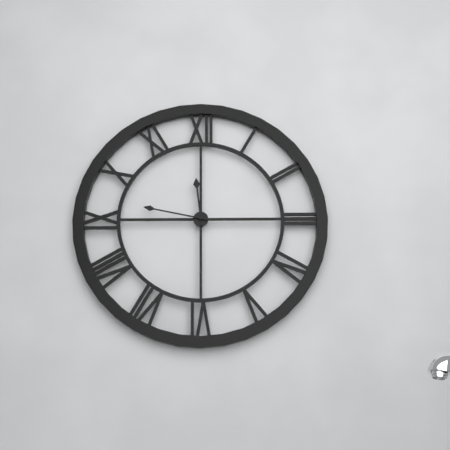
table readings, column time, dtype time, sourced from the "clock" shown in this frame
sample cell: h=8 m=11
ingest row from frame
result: h=11 m=47
